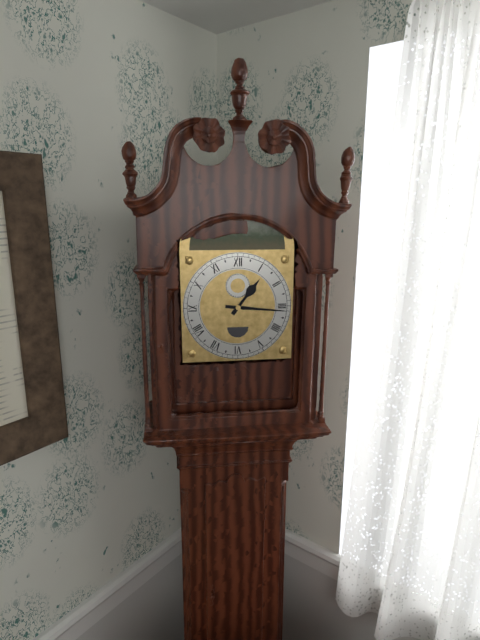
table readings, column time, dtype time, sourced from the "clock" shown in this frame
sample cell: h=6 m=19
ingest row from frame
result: h=1 m=16
